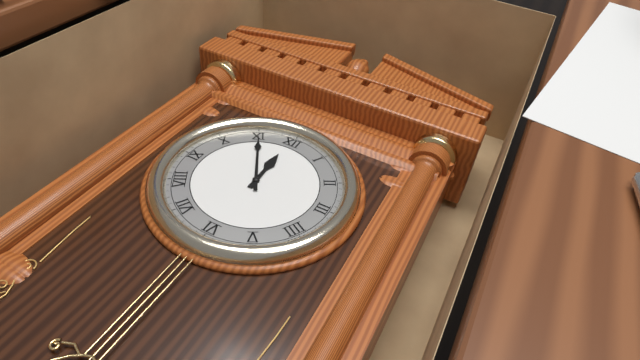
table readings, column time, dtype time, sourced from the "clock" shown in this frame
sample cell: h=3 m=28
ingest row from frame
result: h=11 m=55
